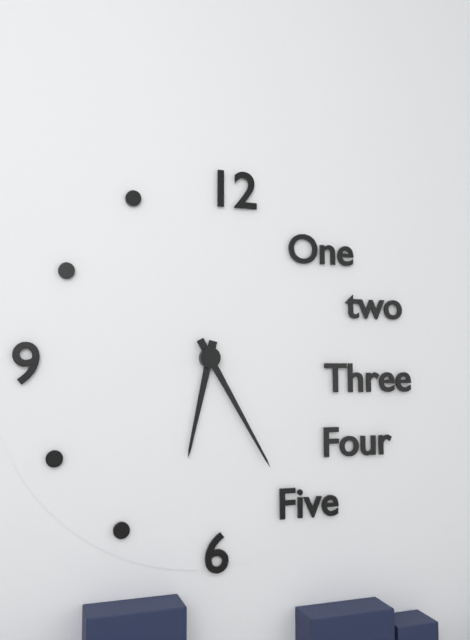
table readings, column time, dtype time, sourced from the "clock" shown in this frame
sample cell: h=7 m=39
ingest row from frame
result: h=6 m=25
